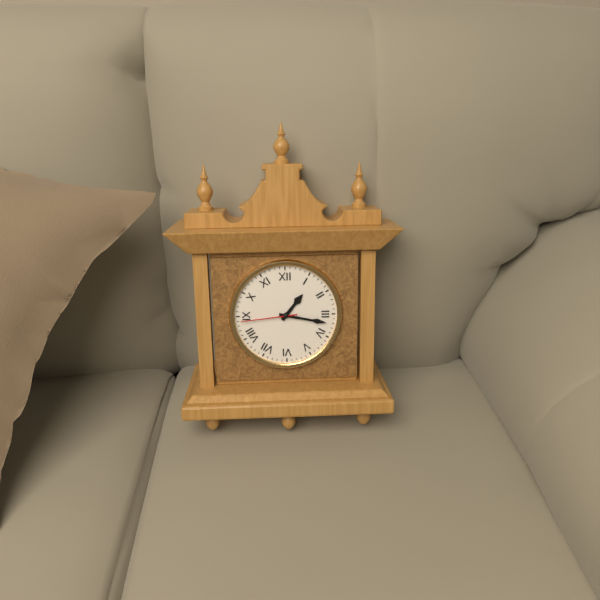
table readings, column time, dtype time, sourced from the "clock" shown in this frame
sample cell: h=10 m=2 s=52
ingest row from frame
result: h=1 m=17 s=44
